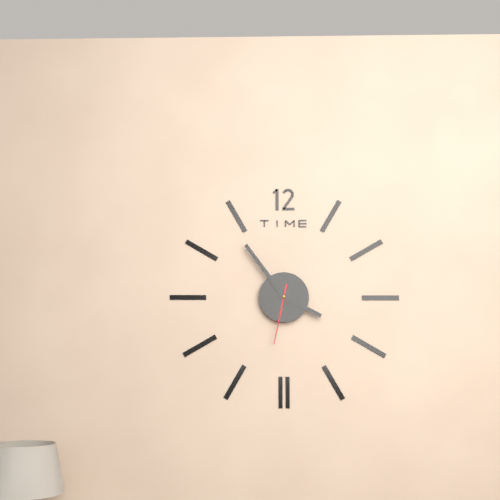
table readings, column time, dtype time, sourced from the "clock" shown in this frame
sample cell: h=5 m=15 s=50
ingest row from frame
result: h=3 m=54 s=32
